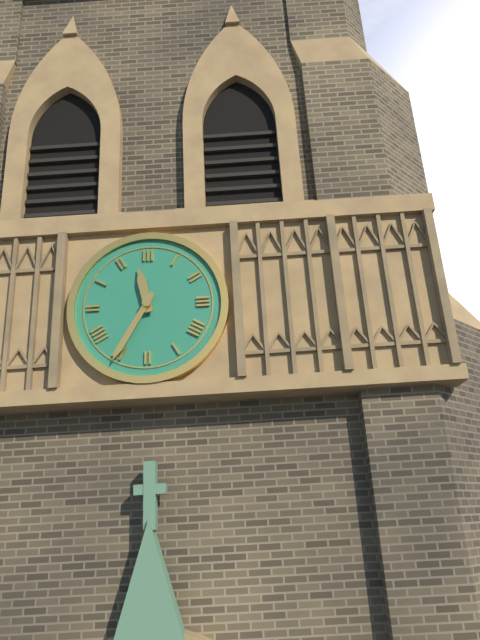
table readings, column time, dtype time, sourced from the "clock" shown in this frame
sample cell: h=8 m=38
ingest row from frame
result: h=11 m=35
